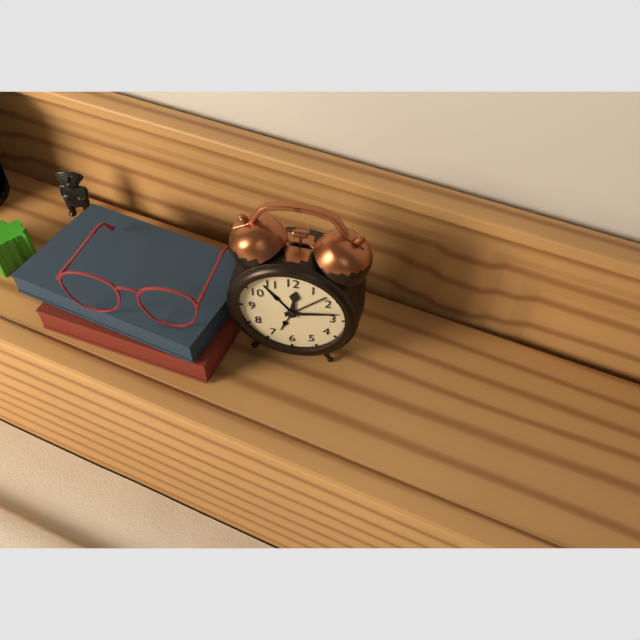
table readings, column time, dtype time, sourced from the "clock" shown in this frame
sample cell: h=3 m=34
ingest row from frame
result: h=12 m=13
